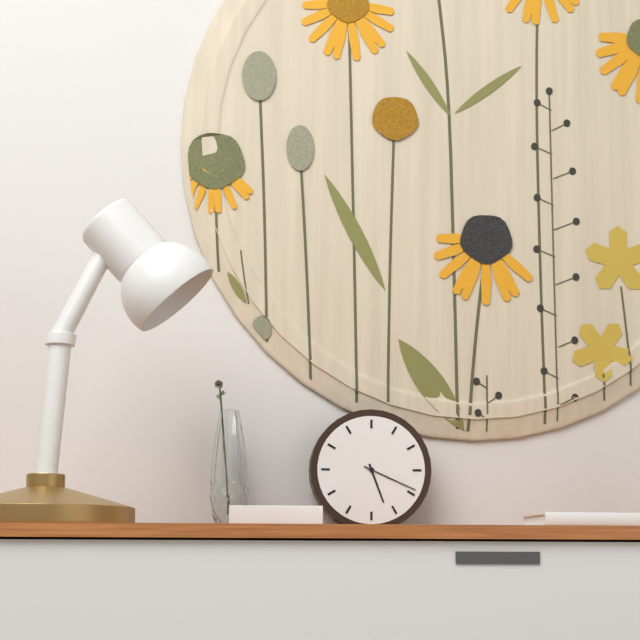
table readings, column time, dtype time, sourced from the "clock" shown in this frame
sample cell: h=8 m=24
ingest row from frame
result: h=5 m=19
